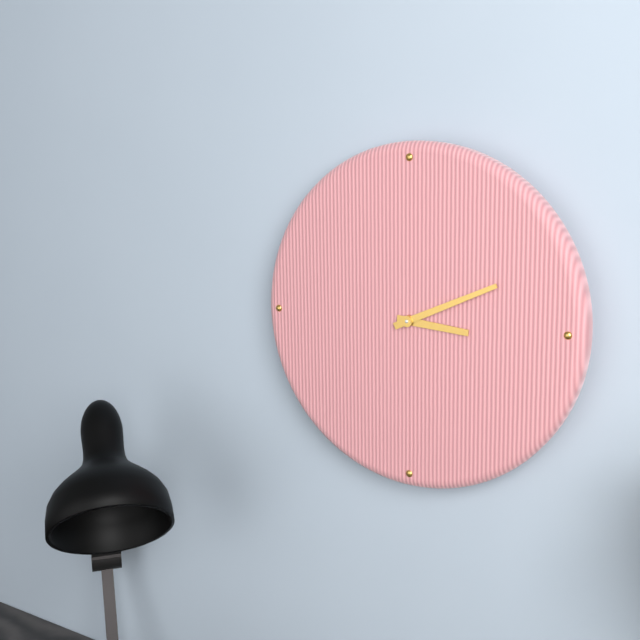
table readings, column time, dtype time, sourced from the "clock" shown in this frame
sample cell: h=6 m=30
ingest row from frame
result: h=3 m=11
